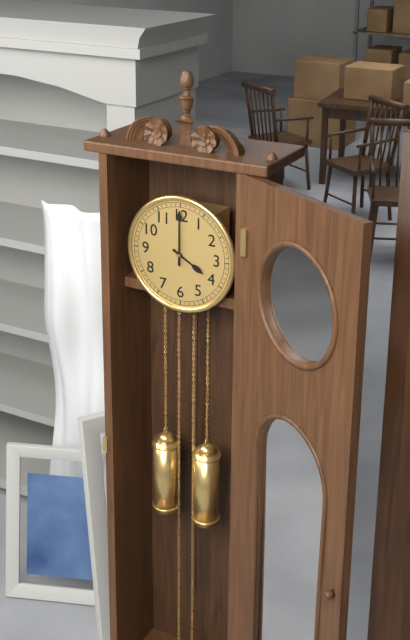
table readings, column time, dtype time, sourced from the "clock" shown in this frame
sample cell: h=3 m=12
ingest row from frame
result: h=4 m=0
